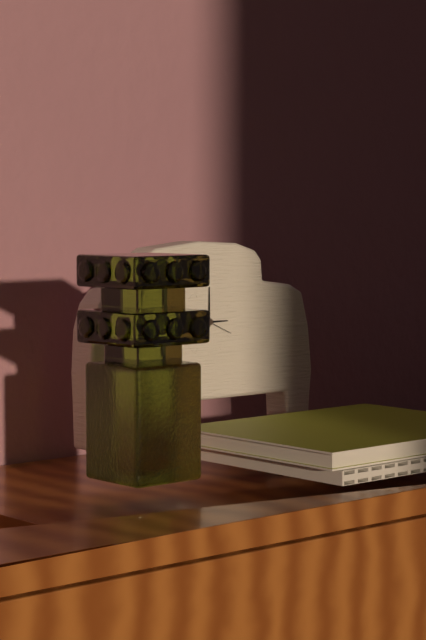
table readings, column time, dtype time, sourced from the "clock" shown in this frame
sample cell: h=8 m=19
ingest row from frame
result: h=3 m=0
